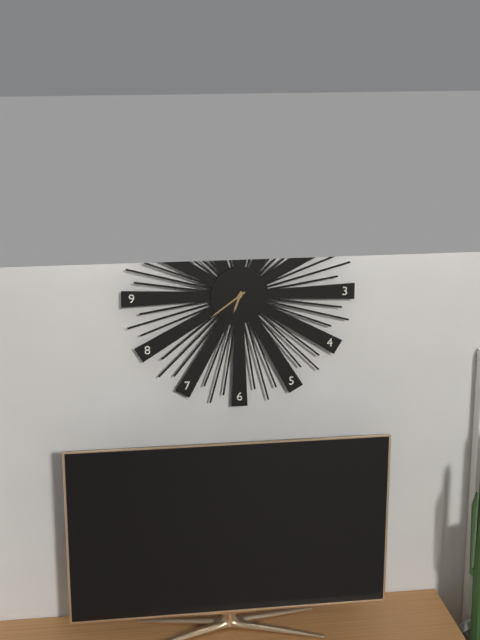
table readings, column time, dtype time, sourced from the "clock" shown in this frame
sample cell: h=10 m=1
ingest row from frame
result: h=6 m=39
